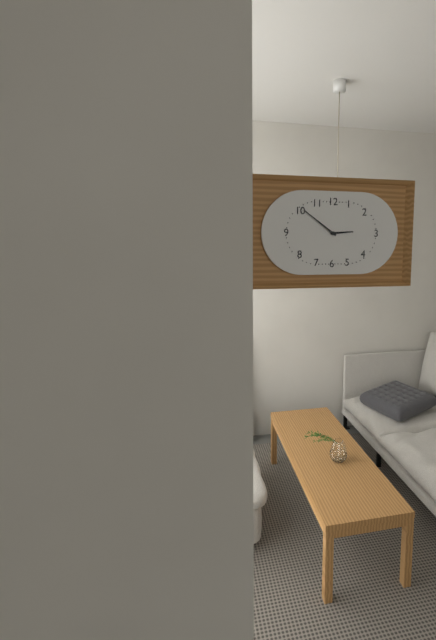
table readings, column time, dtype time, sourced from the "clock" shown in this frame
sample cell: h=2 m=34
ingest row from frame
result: h=2 m=51
